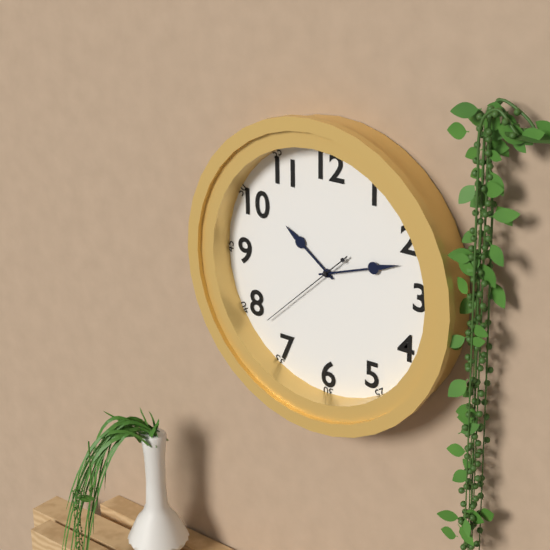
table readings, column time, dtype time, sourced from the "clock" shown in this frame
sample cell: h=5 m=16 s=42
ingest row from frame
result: h=10 m=12 s=38
